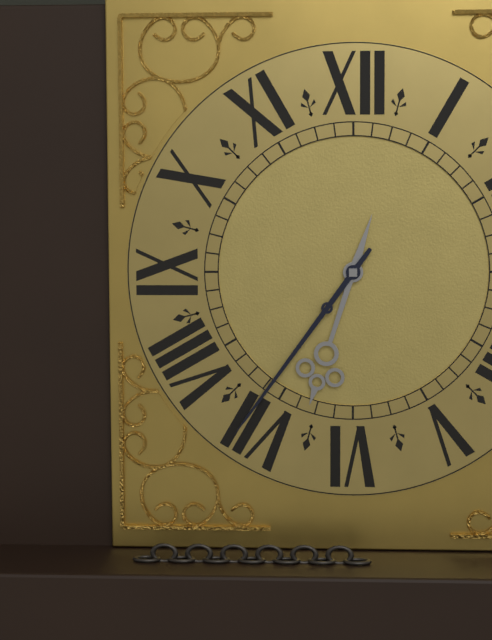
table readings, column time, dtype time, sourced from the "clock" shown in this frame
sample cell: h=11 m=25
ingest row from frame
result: h=6 m=36
